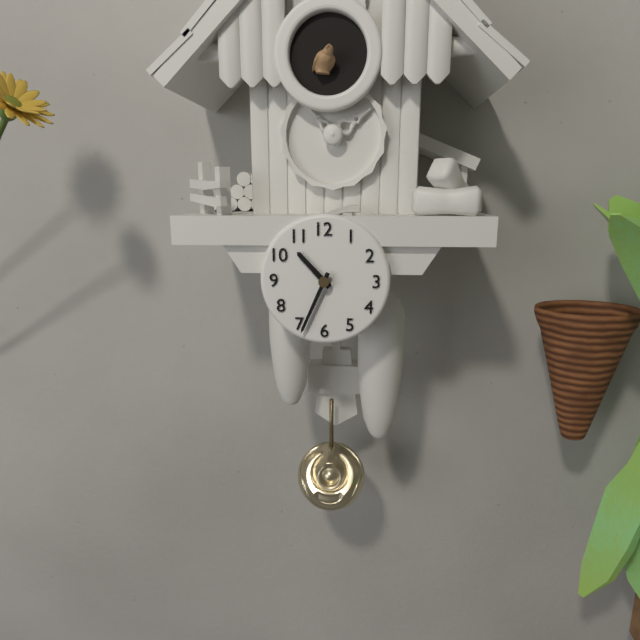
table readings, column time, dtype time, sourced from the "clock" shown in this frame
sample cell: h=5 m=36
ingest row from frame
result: h=10 m=34
